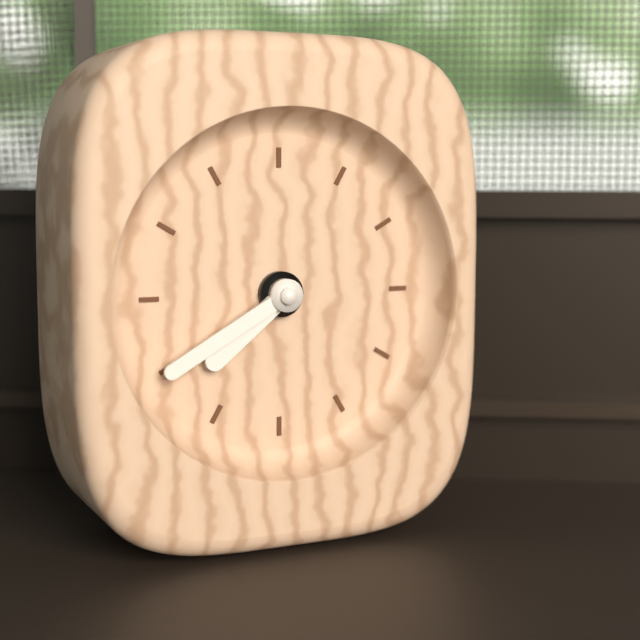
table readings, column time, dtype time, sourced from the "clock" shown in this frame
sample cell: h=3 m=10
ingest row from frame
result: h=7 m=40
